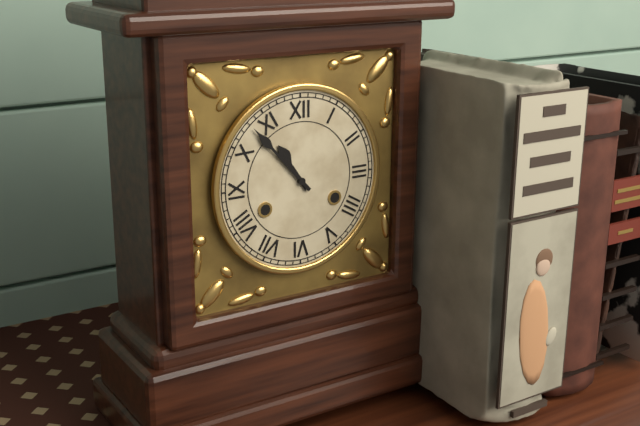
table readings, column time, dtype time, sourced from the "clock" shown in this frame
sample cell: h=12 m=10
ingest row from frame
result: h=10 m=53
